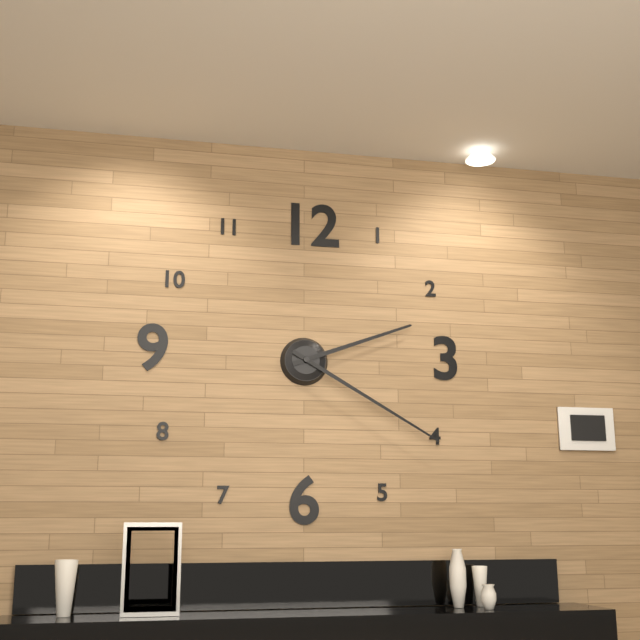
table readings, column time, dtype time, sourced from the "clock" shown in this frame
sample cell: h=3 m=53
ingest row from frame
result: h=2 m=20
